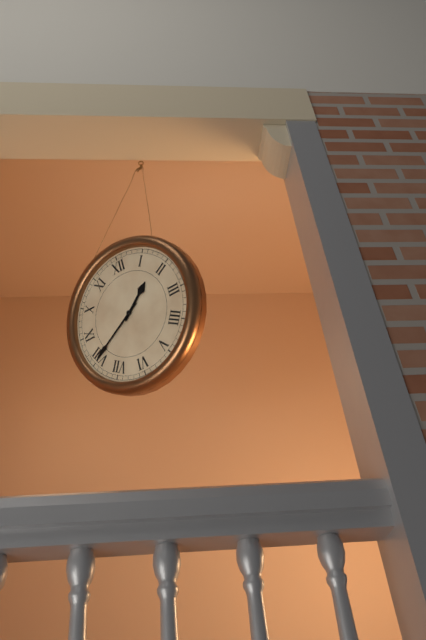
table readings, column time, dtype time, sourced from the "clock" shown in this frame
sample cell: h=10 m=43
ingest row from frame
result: h=1 m=40
